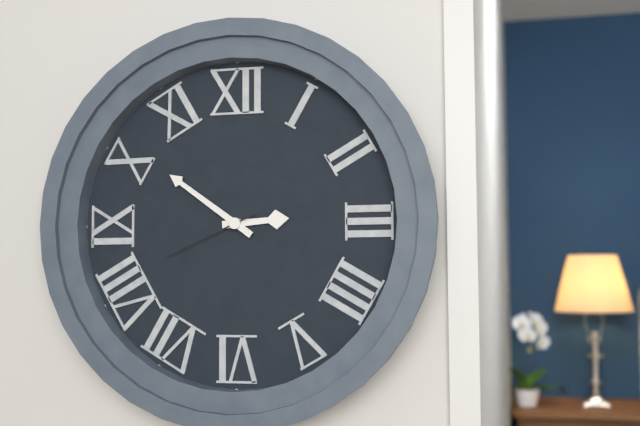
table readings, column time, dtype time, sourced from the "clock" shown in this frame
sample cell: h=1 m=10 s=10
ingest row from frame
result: h=2 m=51 s=41
